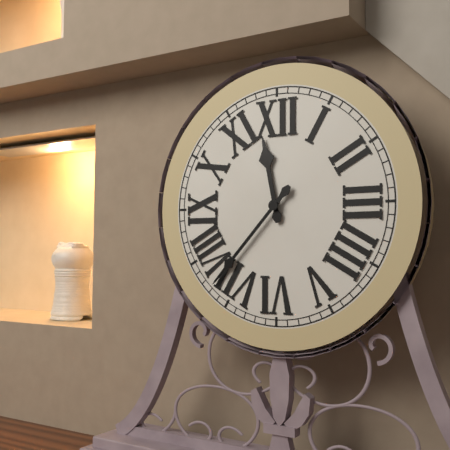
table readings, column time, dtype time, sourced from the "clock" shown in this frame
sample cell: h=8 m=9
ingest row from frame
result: h=11 m=37
